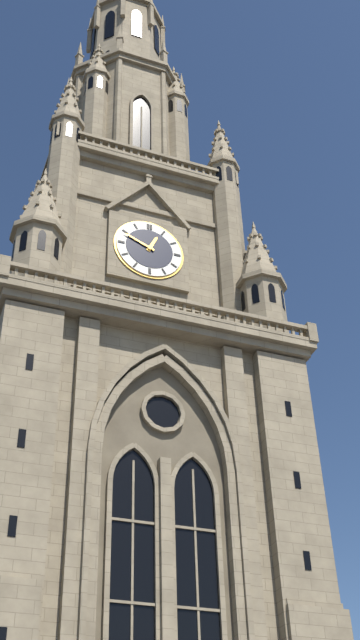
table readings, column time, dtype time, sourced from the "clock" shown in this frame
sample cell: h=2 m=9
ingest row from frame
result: h=12 m=49
